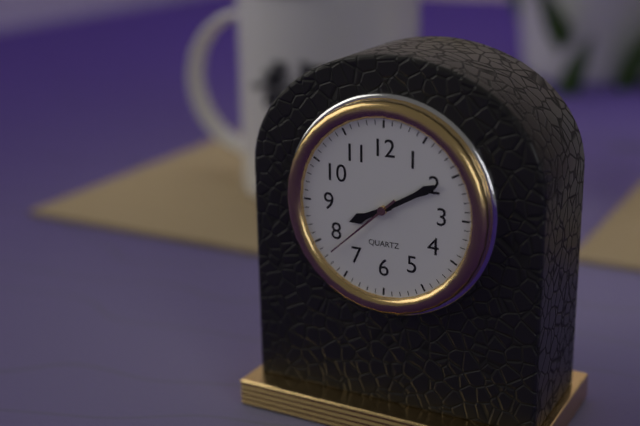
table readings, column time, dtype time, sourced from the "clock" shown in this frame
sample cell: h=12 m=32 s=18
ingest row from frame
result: h=8 m=10 s=38
